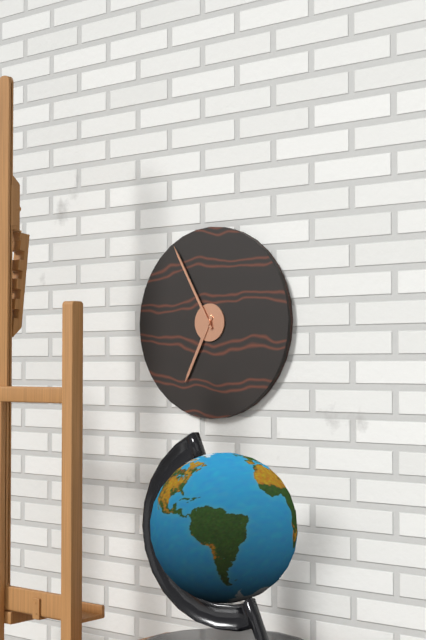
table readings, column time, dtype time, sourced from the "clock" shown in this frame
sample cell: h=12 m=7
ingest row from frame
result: h=6 m=55
